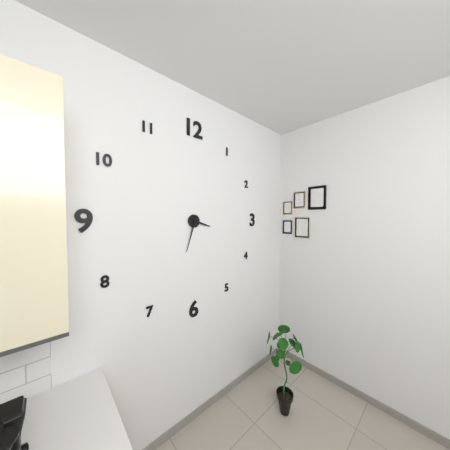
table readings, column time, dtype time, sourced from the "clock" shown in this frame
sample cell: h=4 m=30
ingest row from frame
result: h=3 m=33
